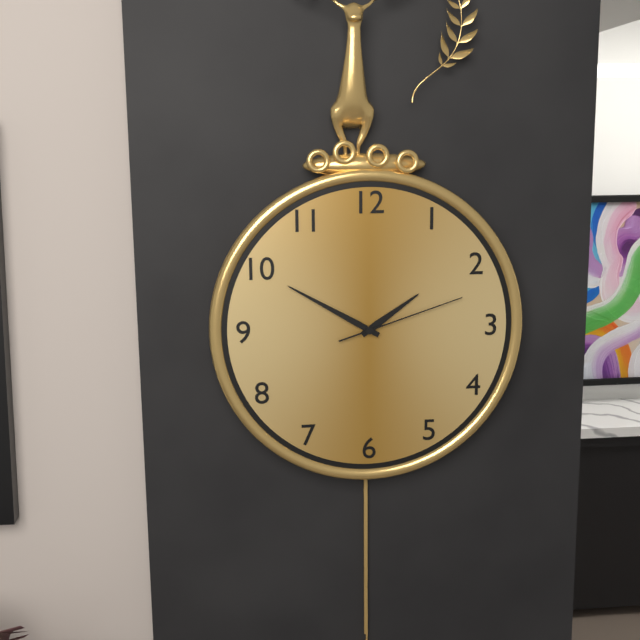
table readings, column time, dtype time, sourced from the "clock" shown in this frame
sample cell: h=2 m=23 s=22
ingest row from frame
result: h=1 m=50 s=12
